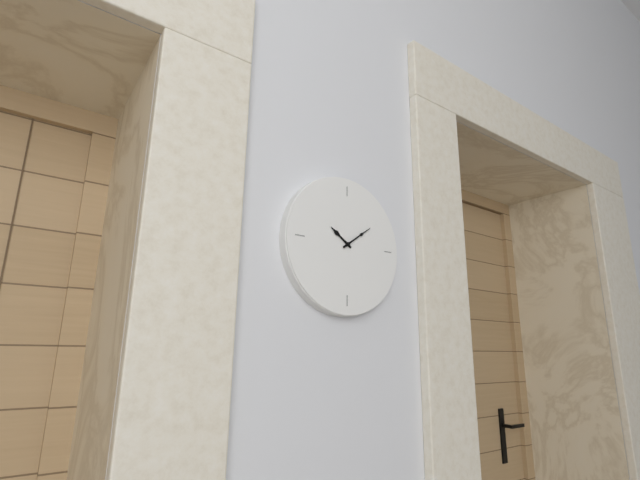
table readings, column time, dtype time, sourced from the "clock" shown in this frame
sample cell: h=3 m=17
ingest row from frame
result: h=10 m=9
